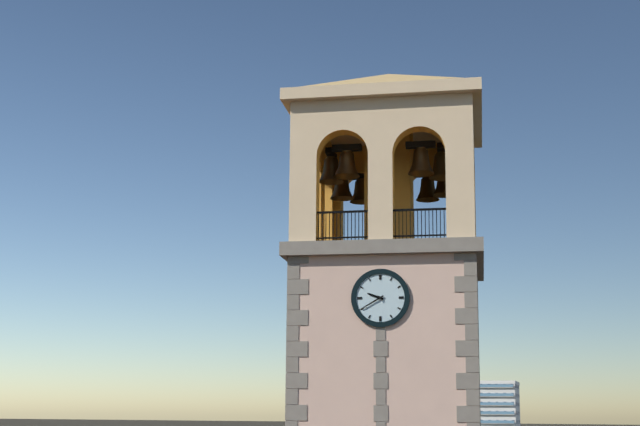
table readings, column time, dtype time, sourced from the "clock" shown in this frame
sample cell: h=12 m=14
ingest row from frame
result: h=9 m=40
